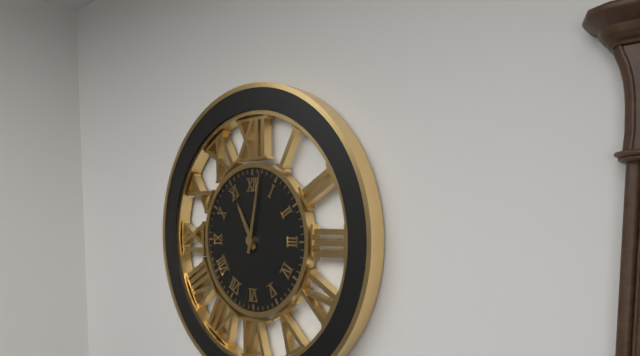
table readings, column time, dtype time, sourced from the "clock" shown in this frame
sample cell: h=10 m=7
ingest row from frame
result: h=11 m=2
